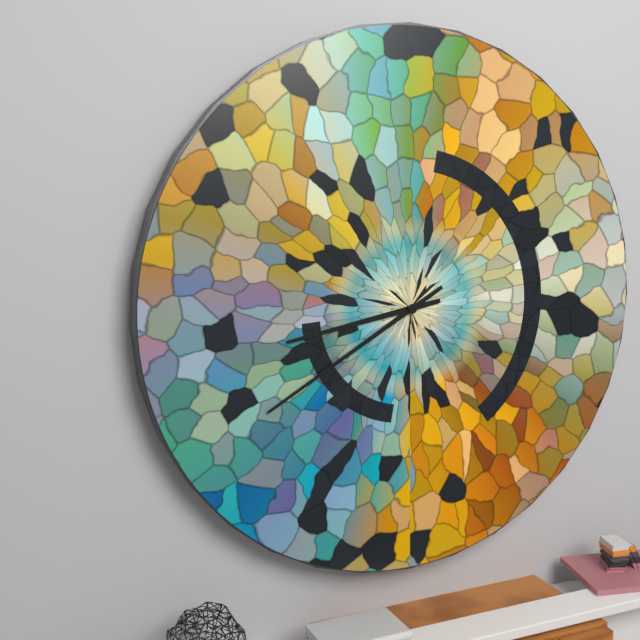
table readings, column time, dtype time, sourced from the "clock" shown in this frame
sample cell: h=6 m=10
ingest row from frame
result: h=8 m=40
